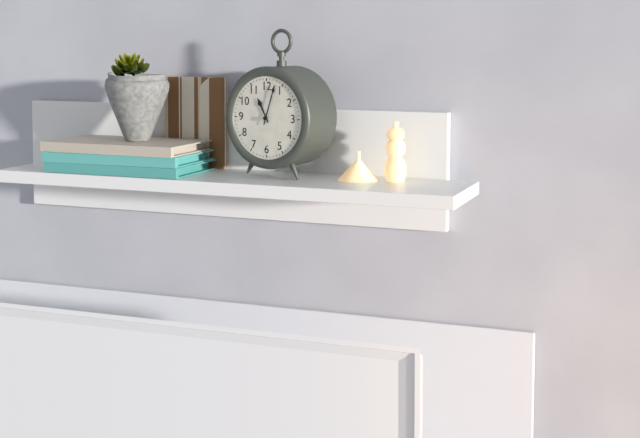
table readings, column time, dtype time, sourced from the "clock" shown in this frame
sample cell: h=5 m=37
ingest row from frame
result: h=11 m=3
